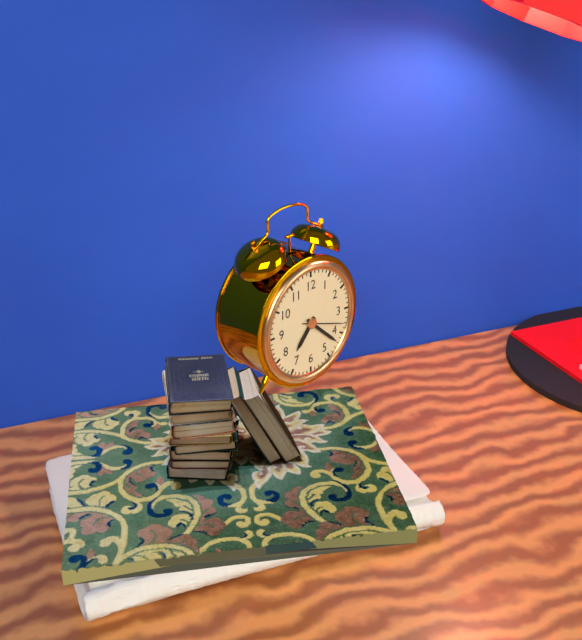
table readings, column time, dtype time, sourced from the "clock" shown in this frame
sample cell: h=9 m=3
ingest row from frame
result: h=7 m=22
